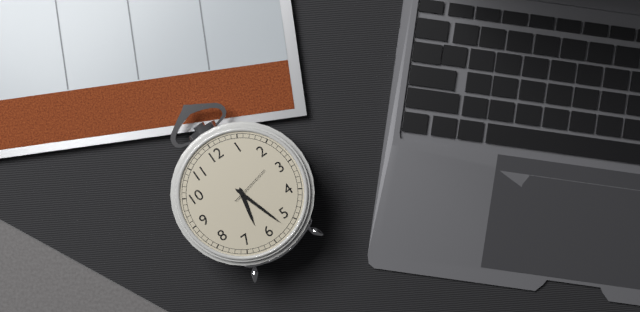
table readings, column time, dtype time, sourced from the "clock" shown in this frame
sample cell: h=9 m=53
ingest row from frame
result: h=6 m=27
